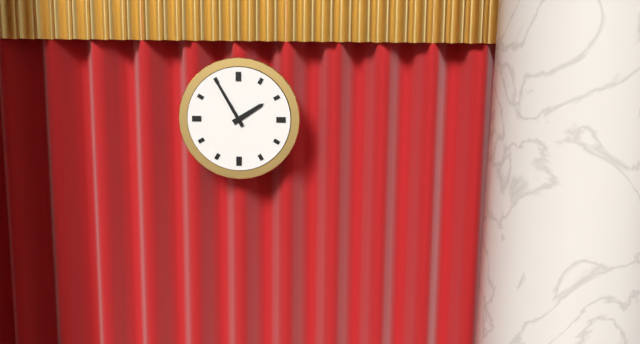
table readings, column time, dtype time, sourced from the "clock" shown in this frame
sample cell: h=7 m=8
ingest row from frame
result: h=1 m=55
